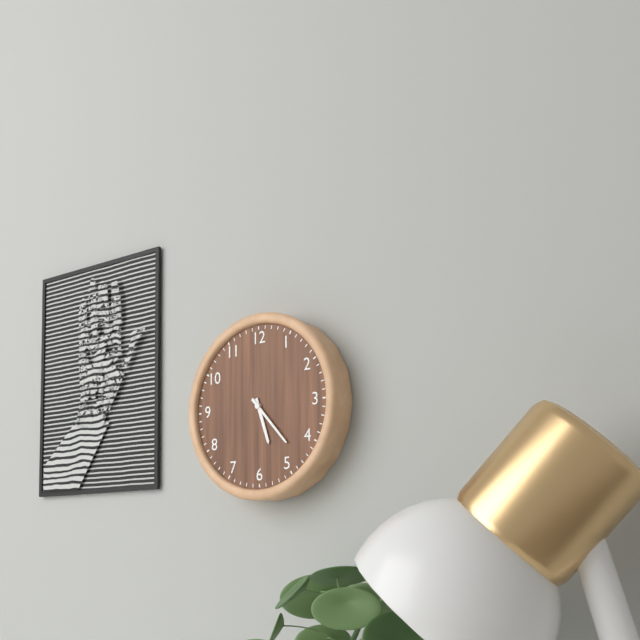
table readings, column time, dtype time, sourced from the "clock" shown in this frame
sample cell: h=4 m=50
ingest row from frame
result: h=5 m=23
